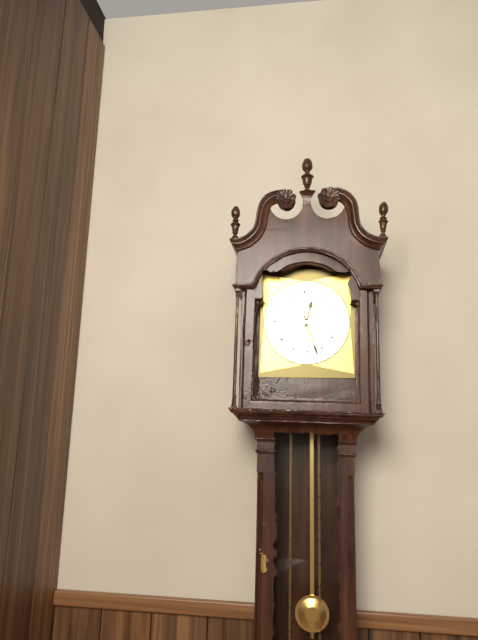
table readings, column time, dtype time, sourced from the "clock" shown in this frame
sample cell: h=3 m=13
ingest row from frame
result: h=12 m=27
